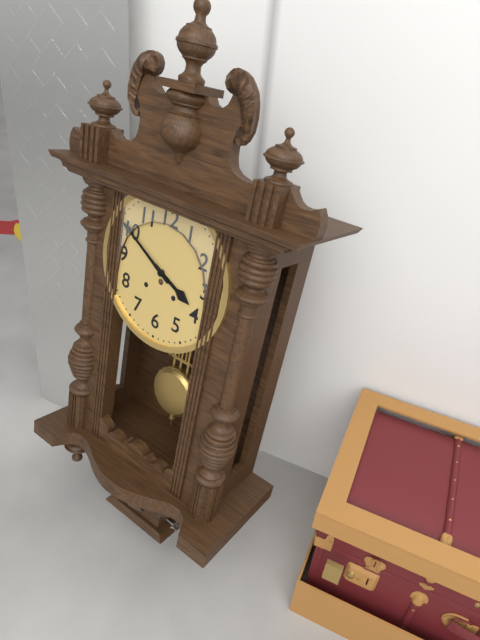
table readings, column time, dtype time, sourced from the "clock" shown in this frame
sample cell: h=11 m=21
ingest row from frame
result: h=3 m=50
